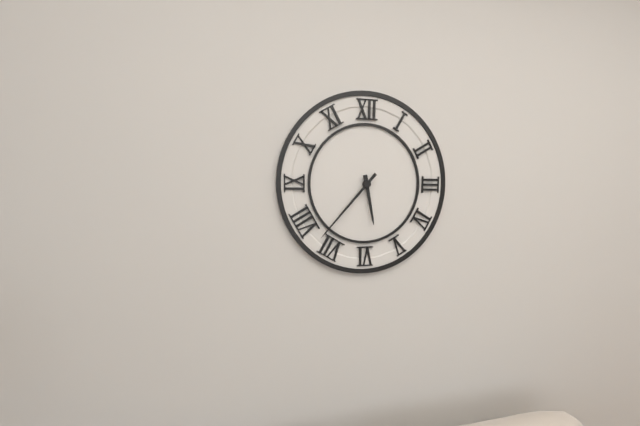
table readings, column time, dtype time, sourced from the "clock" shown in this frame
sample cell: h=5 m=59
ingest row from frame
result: h=5 m=37
